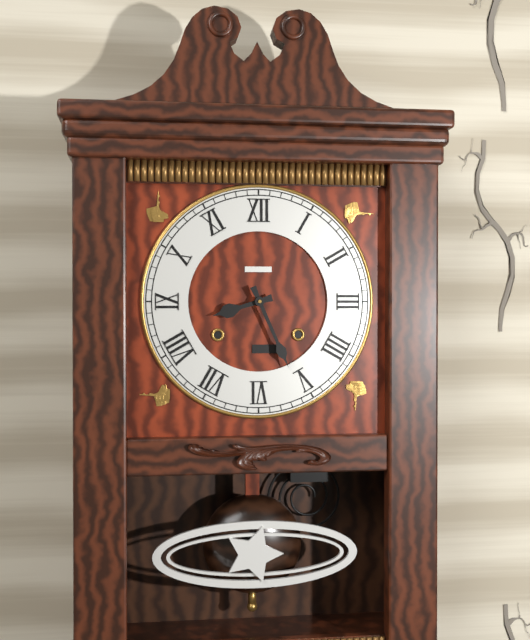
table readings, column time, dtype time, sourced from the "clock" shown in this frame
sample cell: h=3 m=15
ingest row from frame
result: h=8 m=26
